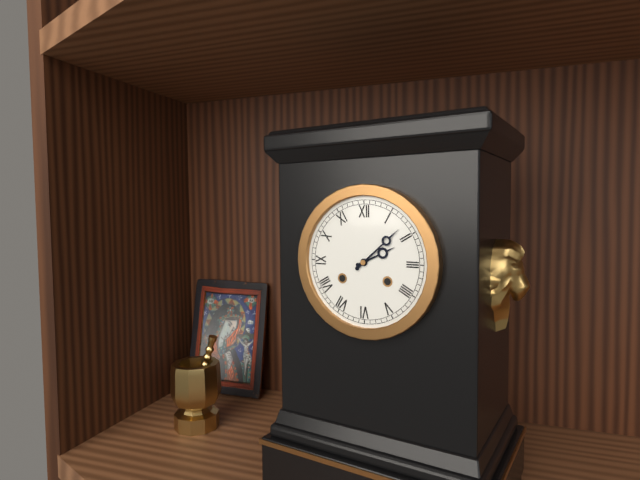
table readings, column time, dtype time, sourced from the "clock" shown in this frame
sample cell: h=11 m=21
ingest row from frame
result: h=2 m=8
